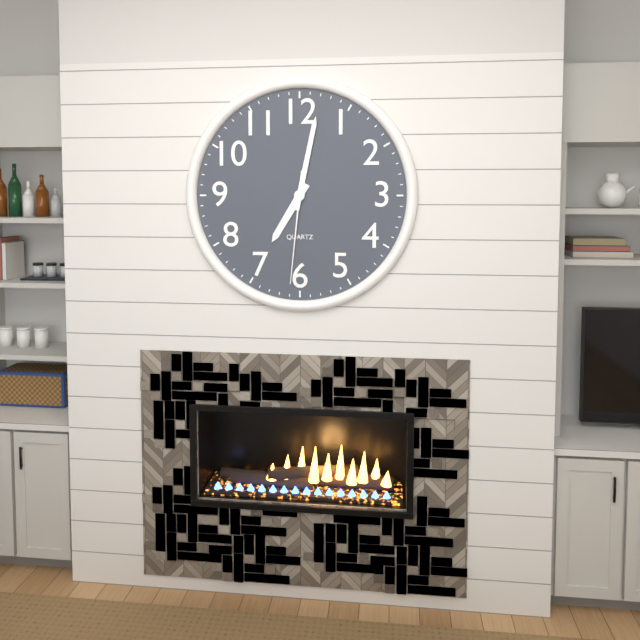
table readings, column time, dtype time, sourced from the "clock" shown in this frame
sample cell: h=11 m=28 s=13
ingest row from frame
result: h=7 m=2 s=31
